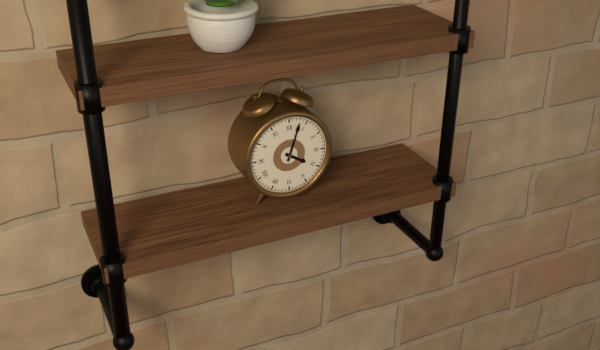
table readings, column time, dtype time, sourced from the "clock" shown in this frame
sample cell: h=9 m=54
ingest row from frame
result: h=4 m=3
